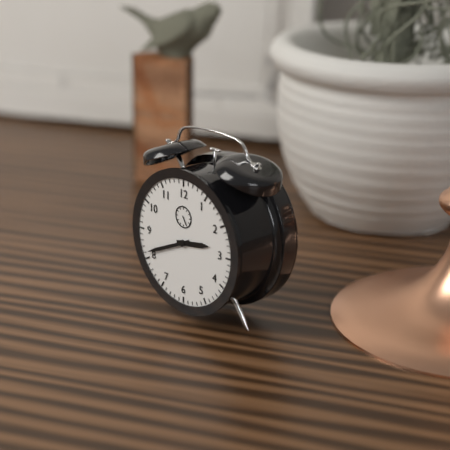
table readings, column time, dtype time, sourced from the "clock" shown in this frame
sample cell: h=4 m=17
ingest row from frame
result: h=2 m=41
